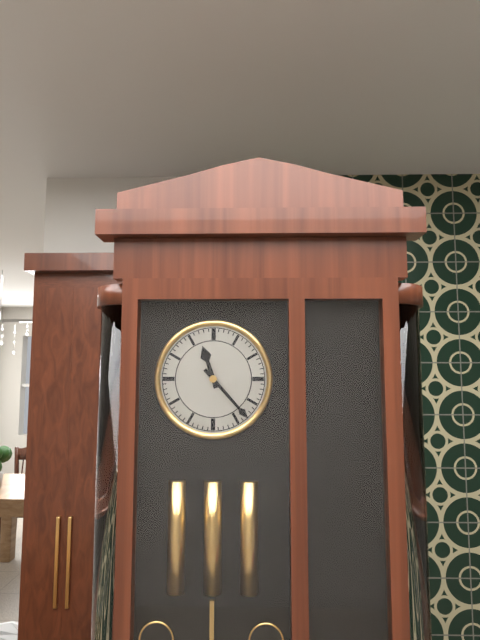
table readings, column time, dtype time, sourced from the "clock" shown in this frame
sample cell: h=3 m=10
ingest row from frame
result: h=11 m=23
